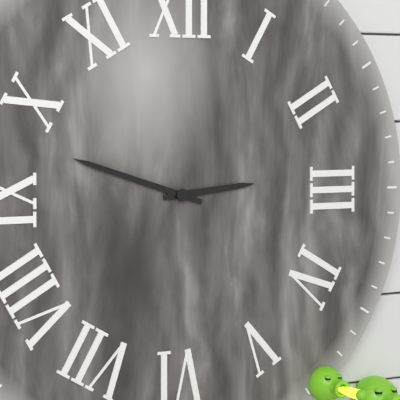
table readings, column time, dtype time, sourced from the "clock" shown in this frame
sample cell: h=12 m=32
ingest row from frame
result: h=2 m=48
